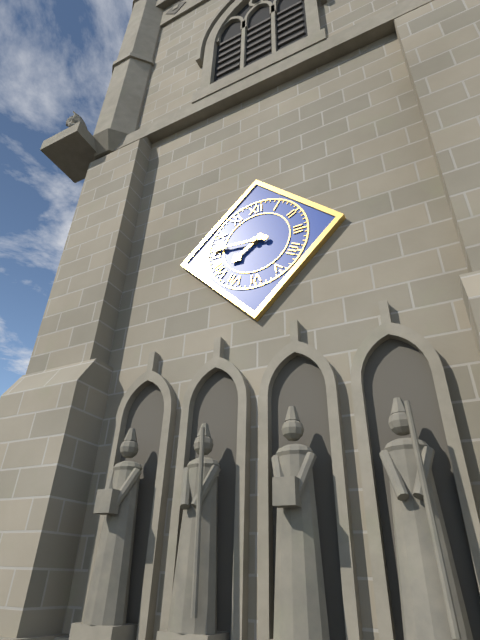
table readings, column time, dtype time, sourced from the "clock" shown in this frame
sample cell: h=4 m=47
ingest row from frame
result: h=7 m=46
